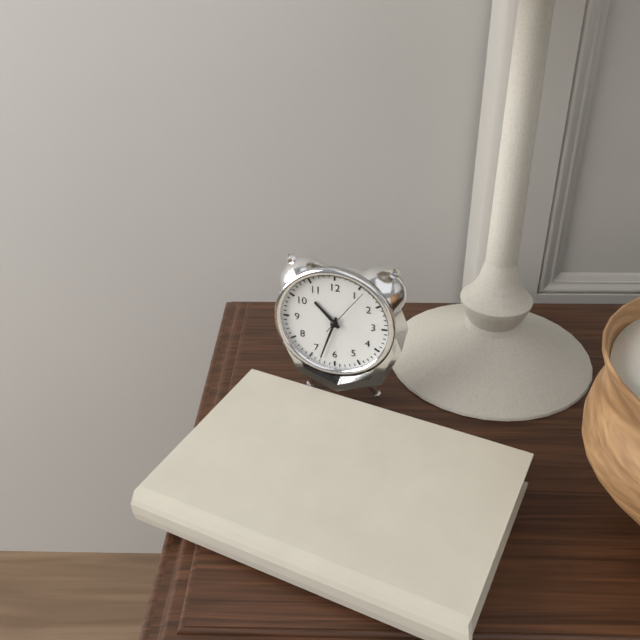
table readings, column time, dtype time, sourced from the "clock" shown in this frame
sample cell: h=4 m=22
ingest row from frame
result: h=10 m=33
